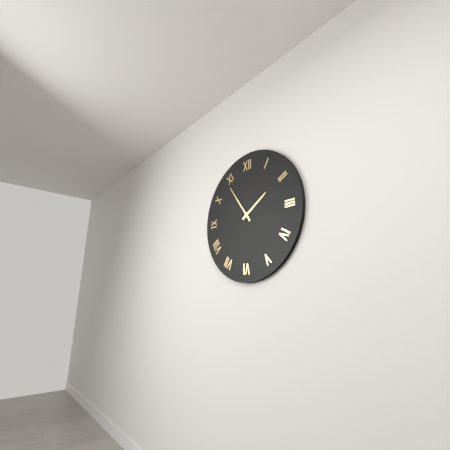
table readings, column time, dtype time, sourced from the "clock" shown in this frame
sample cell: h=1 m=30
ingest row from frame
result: h=1 m=54
